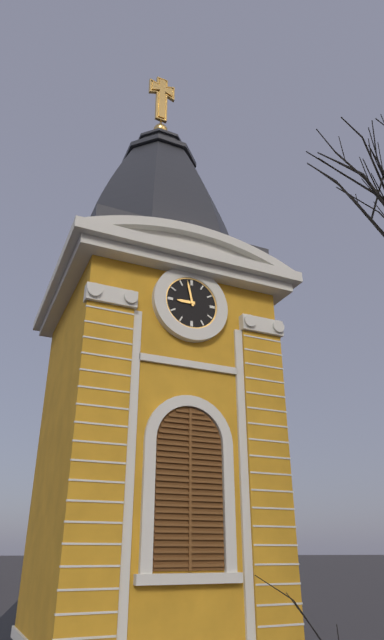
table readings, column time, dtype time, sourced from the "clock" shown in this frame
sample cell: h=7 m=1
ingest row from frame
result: h=8 m=58
